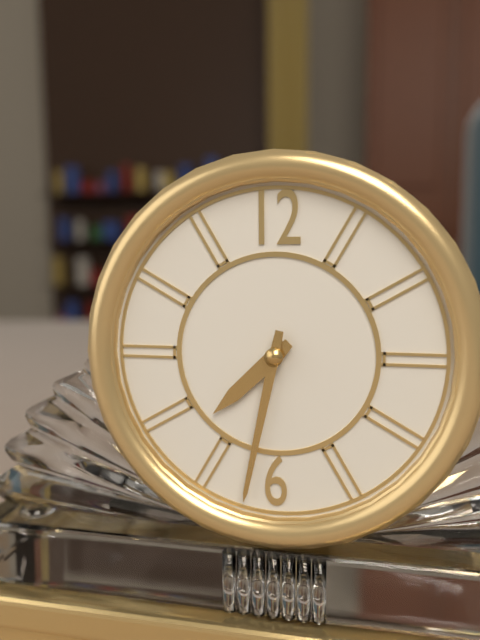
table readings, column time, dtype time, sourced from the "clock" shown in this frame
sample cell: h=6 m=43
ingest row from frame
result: h=7 m=32
